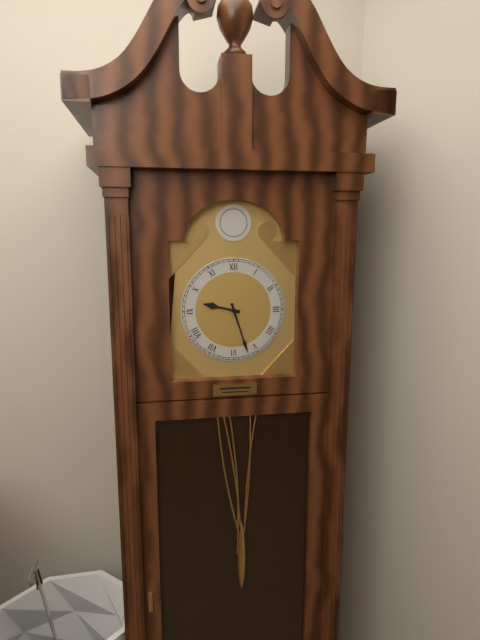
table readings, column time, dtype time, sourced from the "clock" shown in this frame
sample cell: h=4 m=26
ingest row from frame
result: h=9 m=27
